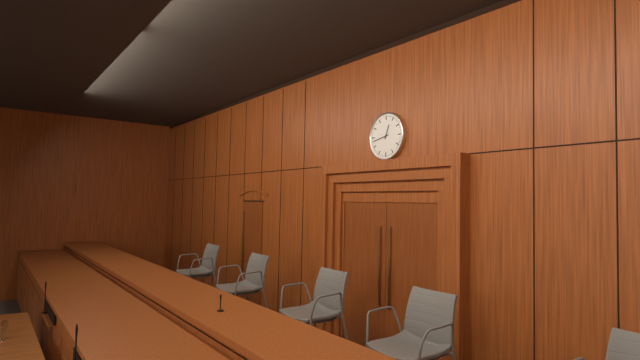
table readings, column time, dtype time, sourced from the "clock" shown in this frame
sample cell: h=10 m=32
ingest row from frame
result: h=12 m=43
